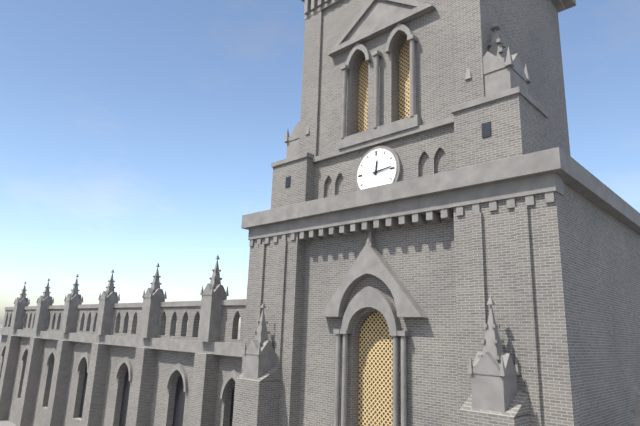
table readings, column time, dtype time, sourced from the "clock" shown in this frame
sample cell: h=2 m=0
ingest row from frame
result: h=12 m=14
